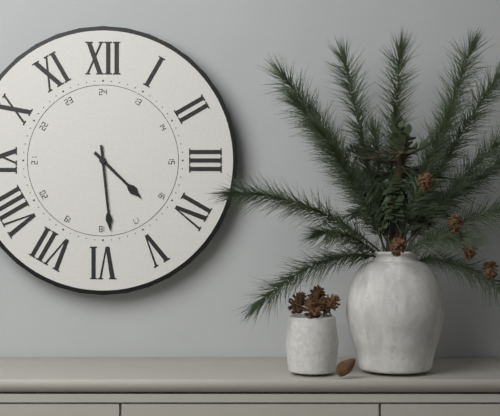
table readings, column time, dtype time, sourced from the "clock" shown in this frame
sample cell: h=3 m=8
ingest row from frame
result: h=4 m=29
